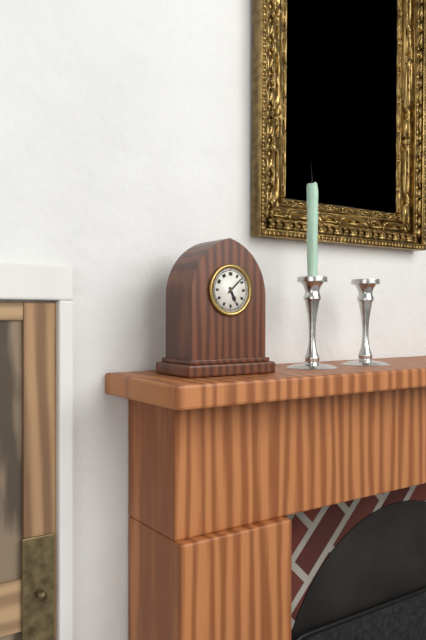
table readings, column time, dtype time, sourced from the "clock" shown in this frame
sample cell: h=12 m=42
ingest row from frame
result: h=5 m=8
